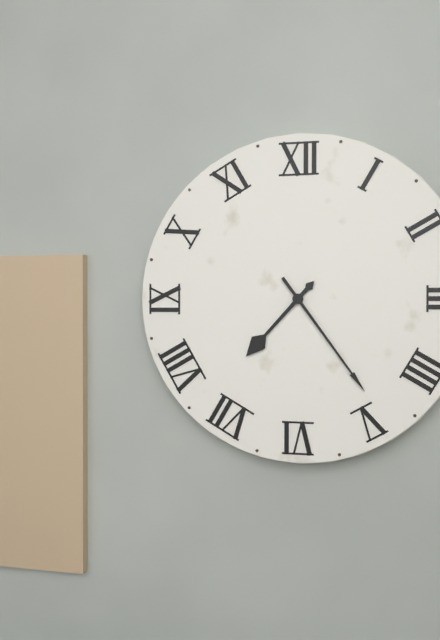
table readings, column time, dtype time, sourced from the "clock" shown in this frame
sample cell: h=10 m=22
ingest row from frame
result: h=7 m=24
